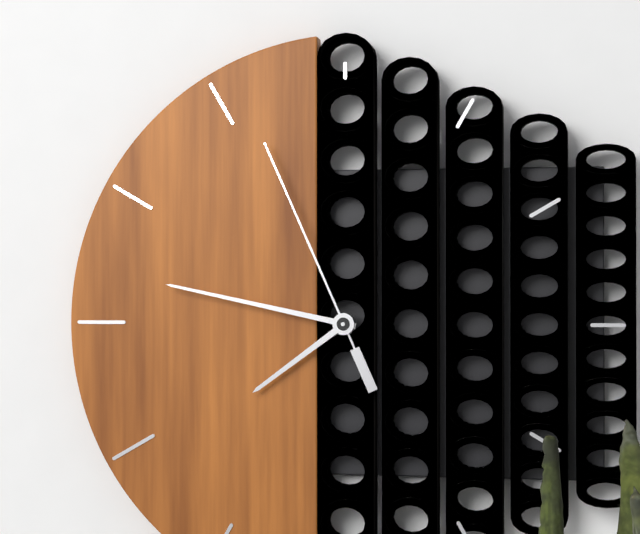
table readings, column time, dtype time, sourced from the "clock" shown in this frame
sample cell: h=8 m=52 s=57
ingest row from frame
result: h=7 m=47 s=56
